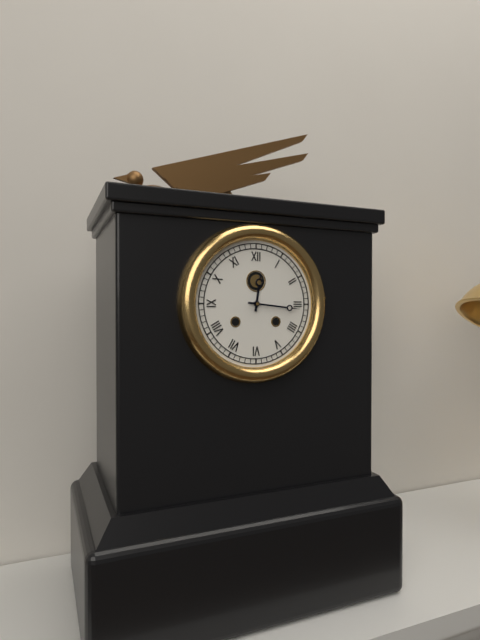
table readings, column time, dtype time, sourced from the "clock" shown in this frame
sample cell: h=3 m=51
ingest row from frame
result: h=12 m=16
